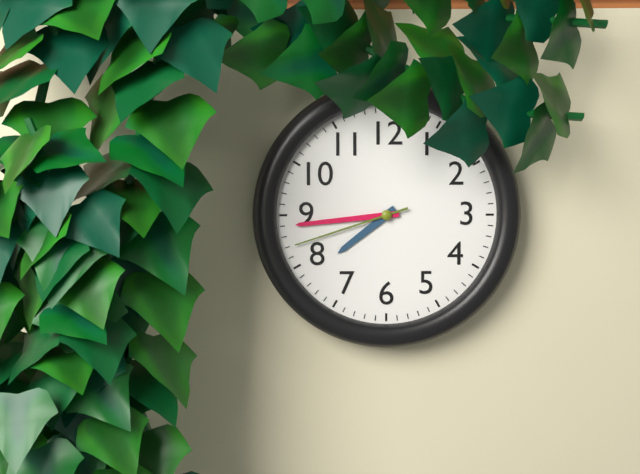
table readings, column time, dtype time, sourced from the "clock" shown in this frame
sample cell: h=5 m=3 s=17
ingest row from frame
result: h=7 m=44 s=42
